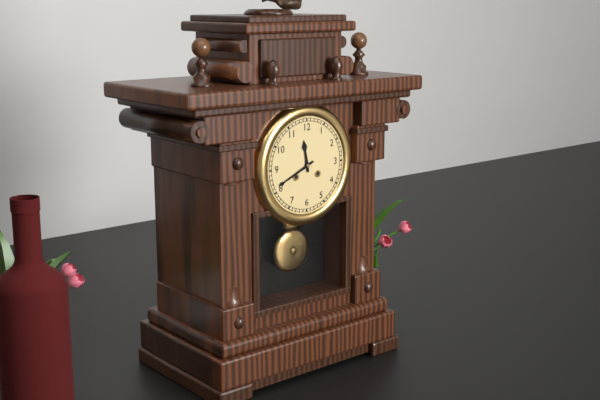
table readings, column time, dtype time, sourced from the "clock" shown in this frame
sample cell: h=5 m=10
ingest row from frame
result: h=11 m=41
